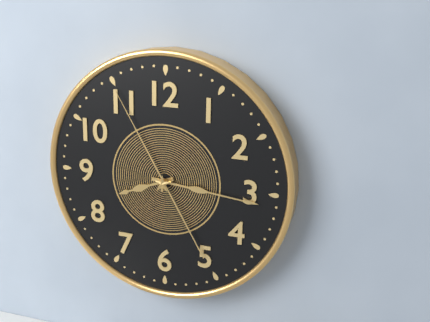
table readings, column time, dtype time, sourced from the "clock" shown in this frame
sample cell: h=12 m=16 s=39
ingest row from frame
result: h=8 m=16 s=55
